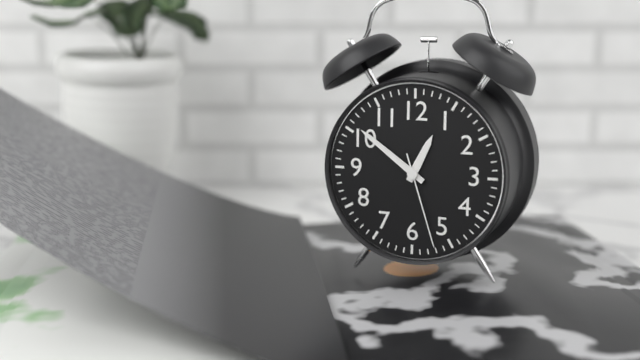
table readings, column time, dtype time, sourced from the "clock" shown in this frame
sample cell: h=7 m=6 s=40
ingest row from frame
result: h=12 m=51 s=27
